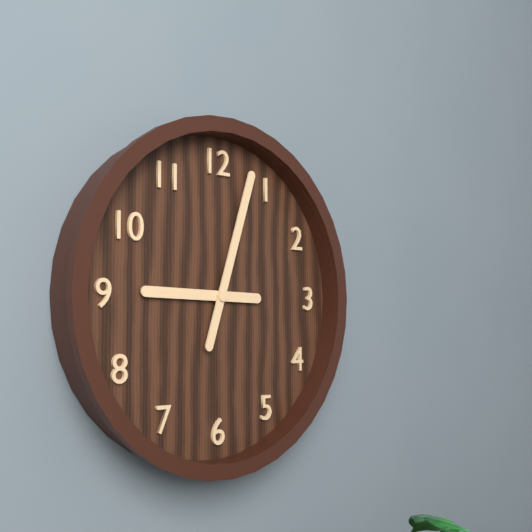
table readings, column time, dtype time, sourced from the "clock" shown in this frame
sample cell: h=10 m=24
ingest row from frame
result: h=9 m=3
